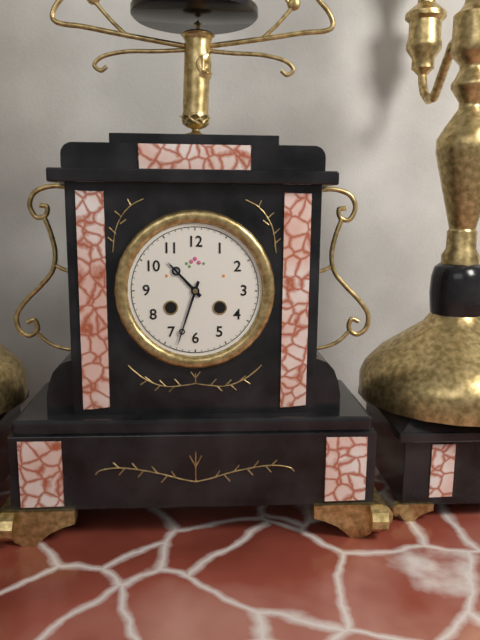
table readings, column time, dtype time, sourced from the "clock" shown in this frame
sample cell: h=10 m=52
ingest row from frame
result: h=10 m=33
